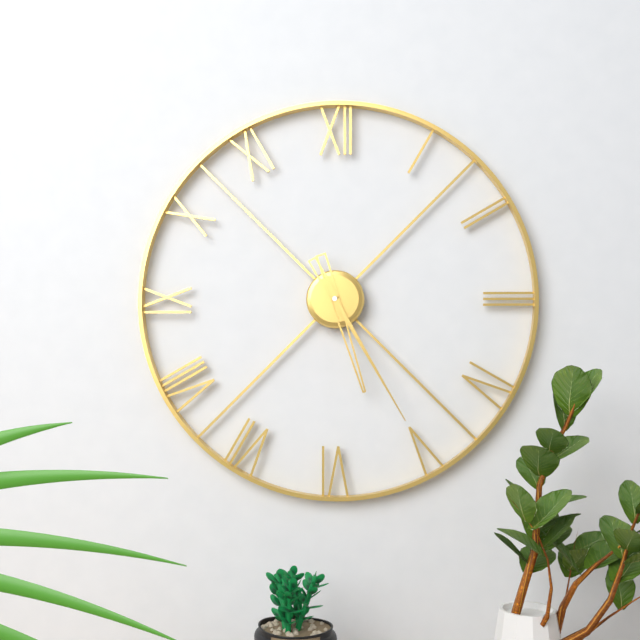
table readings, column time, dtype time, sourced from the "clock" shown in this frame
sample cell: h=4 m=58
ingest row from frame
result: h=5 m=25
